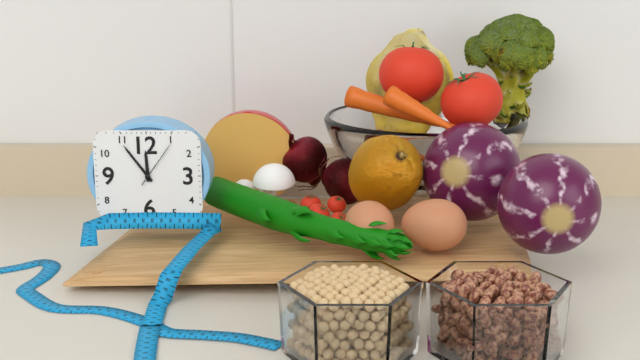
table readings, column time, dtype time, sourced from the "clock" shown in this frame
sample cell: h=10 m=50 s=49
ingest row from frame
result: h=11 m=54 s=6
